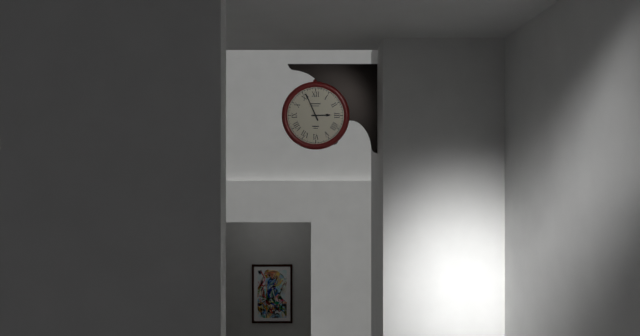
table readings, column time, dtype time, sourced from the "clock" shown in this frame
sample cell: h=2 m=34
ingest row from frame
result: h=2 m=56
